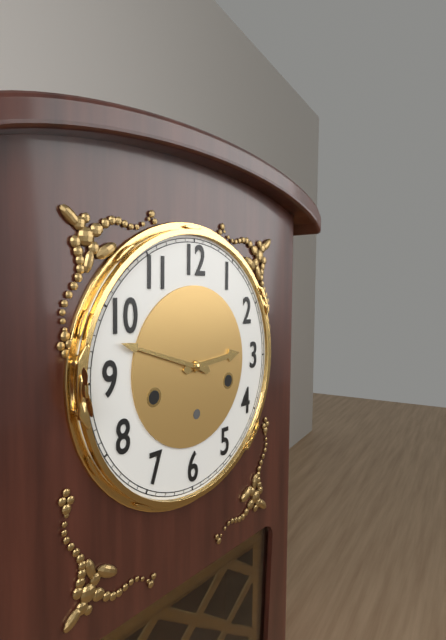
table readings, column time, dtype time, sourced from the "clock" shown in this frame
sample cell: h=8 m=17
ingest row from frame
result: h=2 m=48
